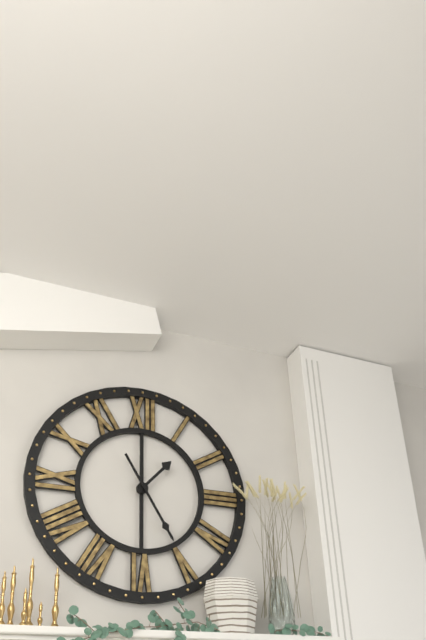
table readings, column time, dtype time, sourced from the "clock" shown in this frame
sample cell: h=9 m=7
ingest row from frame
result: h=1 m=25
